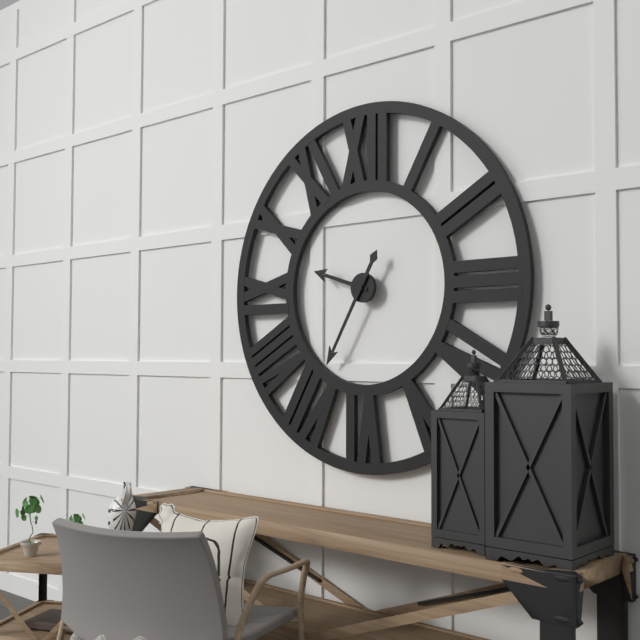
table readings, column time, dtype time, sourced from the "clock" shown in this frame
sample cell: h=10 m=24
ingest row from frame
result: h=9 m=35
